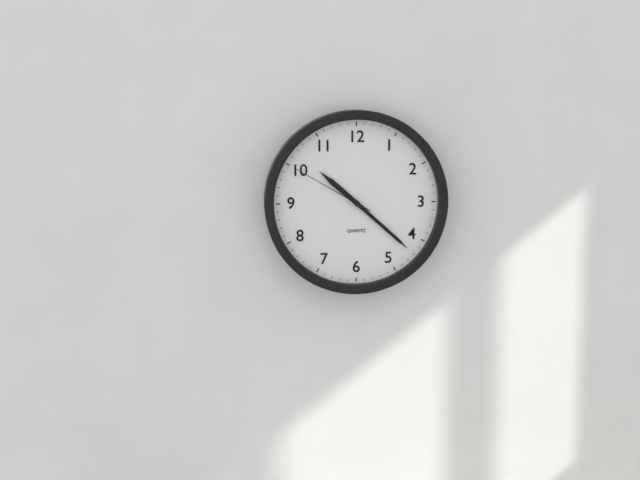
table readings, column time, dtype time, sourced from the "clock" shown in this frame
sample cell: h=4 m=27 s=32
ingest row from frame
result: h=10 m=22 s=50
